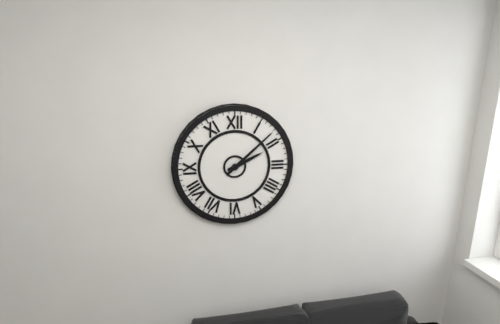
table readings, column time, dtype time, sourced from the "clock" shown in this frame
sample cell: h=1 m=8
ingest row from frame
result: h=2 m=8
